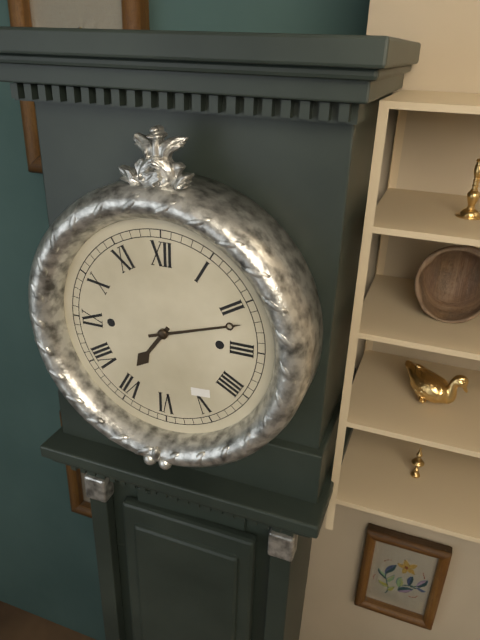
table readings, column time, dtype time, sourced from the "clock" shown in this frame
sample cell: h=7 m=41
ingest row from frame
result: h=7 m=12
